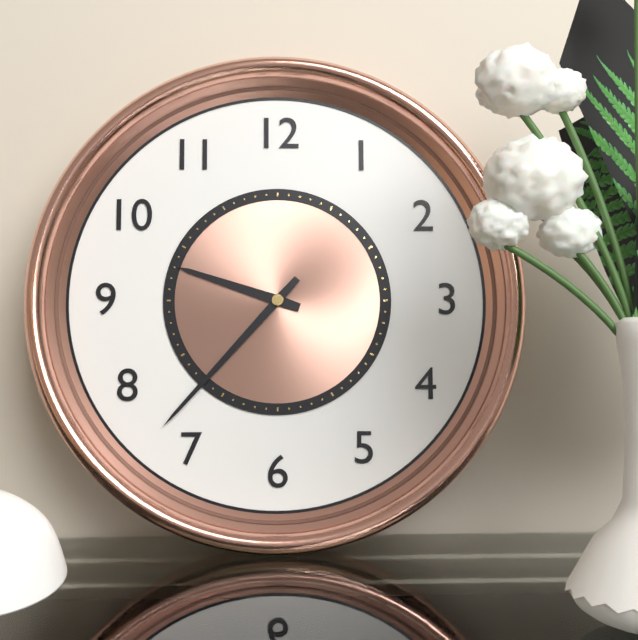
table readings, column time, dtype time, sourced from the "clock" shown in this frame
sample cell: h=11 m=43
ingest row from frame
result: h=9 m=37
